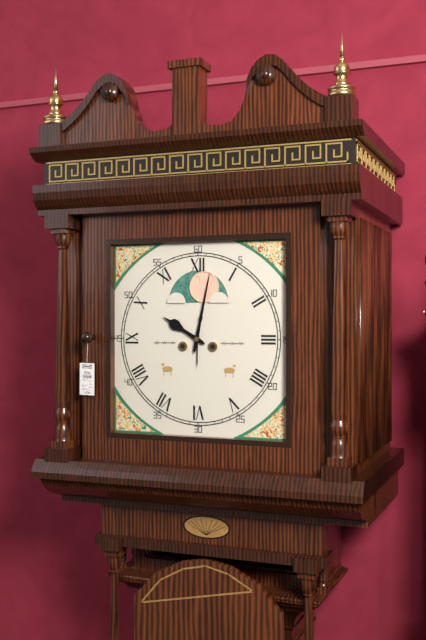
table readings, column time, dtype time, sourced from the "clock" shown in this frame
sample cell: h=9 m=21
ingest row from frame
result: h=10 m=2
